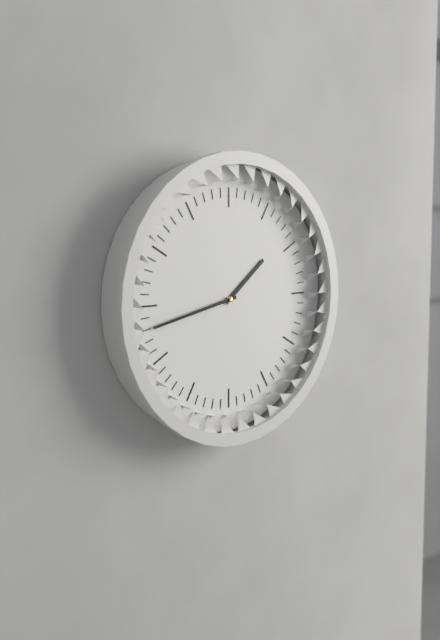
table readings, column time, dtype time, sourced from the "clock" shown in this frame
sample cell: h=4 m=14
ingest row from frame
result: h=1 m=43
